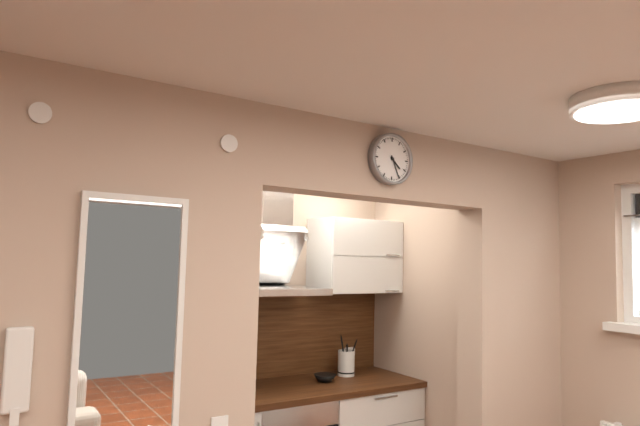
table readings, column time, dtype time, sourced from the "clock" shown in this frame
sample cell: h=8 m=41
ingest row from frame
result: h=4 m=26
